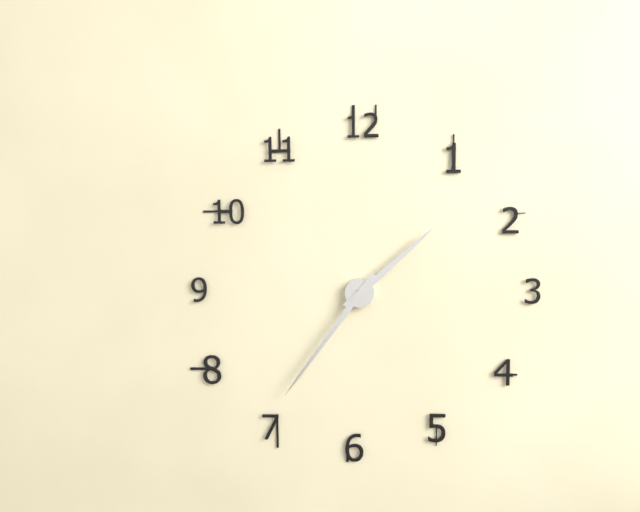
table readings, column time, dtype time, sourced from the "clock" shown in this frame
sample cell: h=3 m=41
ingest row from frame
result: h=1 m=36
